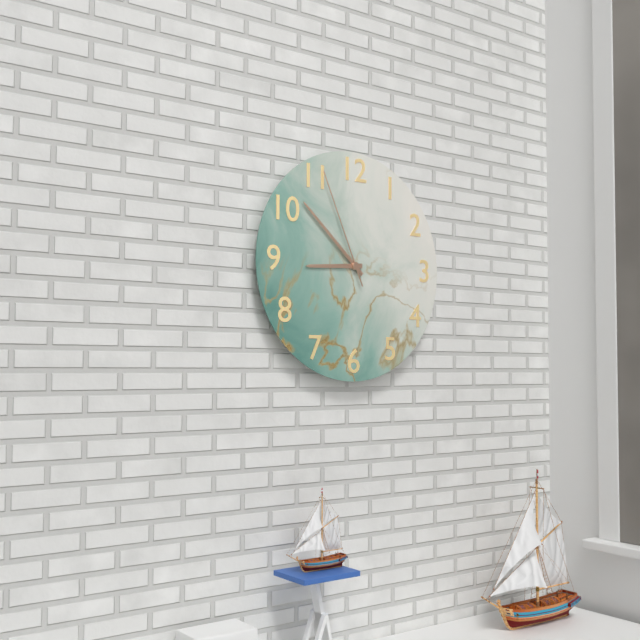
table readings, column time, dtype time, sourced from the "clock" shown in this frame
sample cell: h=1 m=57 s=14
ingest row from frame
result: h=8 m=52 s=56
